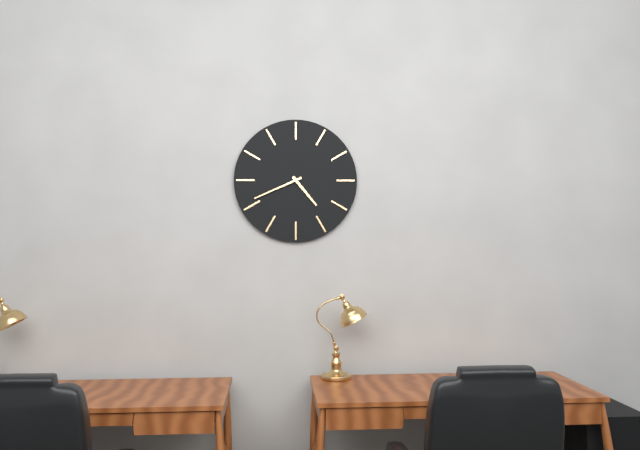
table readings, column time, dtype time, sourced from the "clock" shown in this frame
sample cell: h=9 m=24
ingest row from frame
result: h=4 m=41
